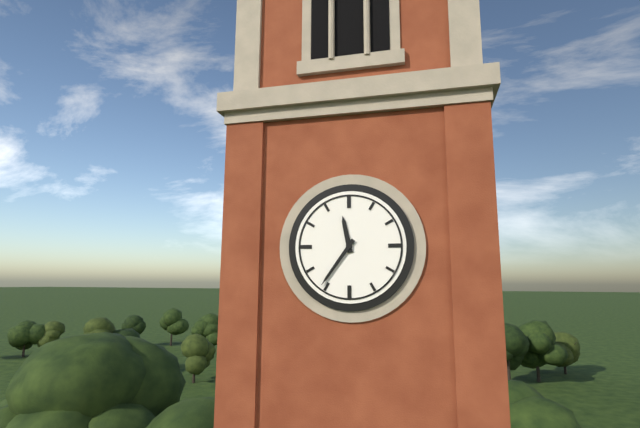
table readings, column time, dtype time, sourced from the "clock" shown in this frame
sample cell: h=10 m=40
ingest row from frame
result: h=11 m=36
